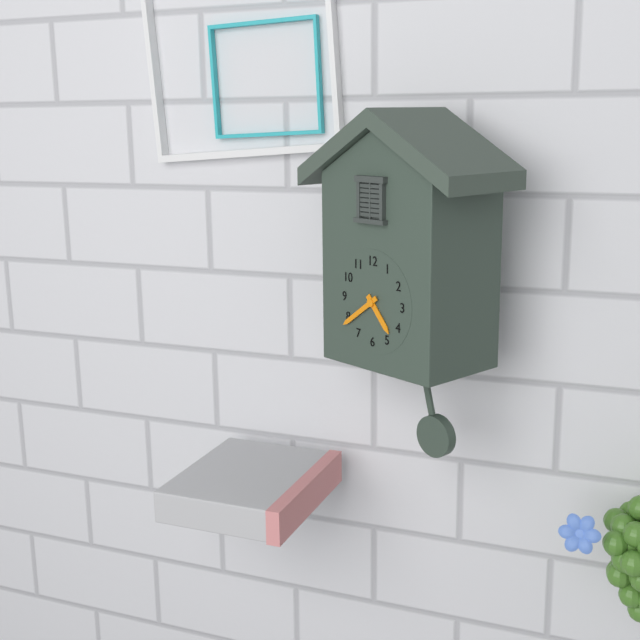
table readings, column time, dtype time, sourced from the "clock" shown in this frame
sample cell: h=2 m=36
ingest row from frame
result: h=4 m=39
